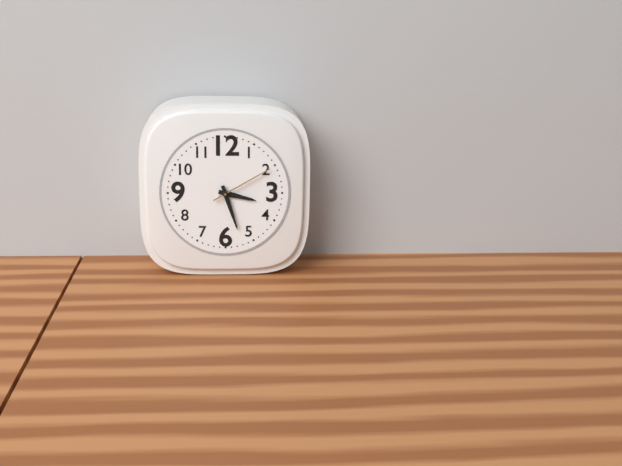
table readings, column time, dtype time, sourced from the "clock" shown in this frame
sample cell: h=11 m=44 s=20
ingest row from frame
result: h=3 m=27 s=10
